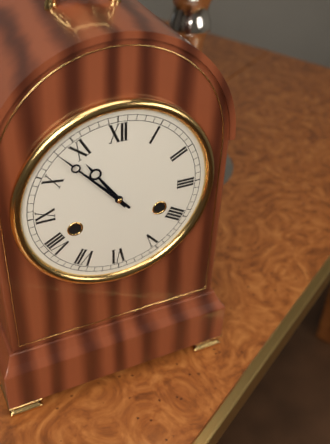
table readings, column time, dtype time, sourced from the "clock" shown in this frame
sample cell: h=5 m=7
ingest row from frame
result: h=10 m=53
